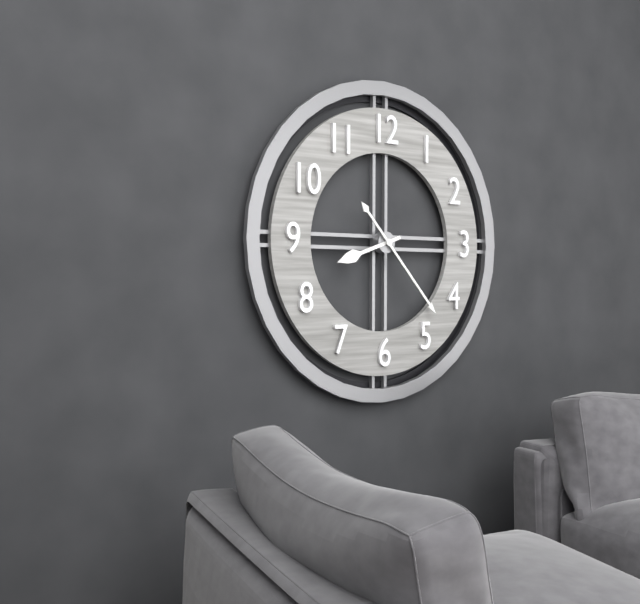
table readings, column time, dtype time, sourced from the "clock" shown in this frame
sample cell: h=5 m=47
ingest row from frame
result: h=8 m=23
